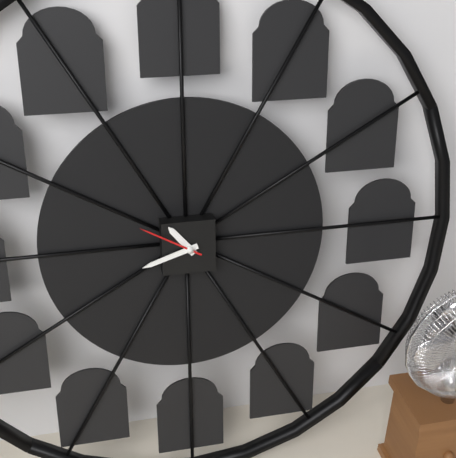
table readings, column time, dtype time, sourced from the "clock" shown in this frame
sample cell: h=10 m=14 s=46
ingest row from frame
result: h=10 m=42 s=50
